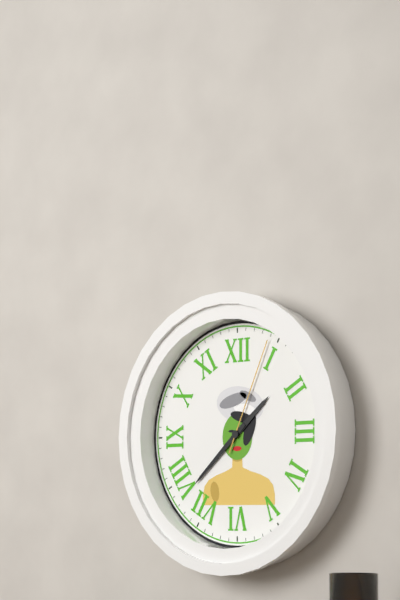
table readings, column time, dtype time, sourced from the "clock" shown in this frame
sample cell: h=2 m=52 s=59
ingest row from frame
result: h=1 m=38 s=4
